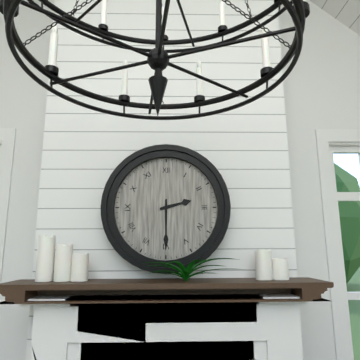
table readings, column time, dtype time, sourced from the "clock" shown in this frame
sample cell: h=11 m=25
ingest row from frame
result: h=2 m=30
